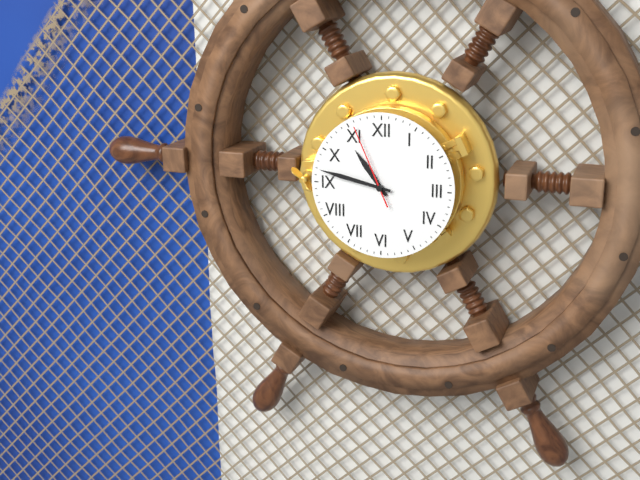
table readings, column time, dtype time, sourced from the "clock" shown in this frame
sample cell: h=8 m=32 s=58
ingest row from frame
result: h=10 m=47 s=56
